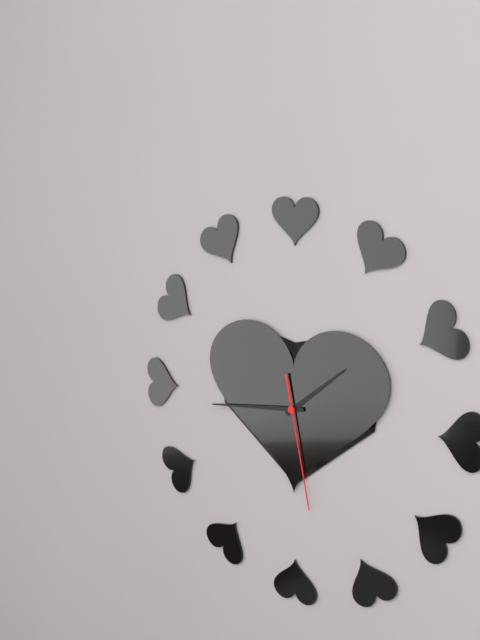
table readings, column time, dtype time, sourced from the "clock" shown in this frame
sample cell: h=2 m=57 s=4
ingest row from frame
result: h=1 m=44 s=28
